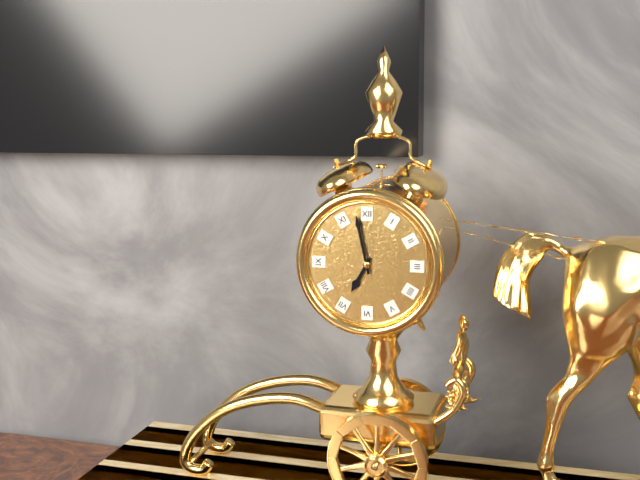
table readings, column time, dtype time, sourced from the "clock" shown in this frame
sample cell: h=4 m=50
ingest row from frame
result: h=6 m=58
